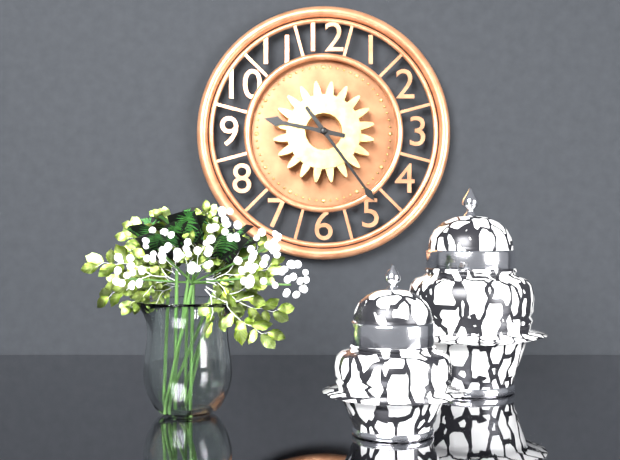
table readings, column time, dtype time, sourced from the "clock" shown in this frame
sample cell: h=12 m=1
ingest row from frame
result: h=9 m=24
